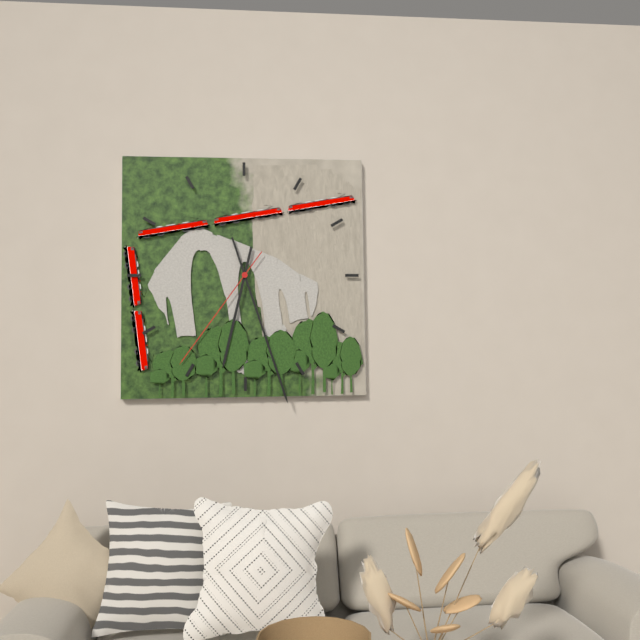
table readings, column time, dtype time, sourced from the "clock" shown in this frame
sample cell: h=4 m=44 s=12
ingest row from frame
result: h=6 m=27 s=36
